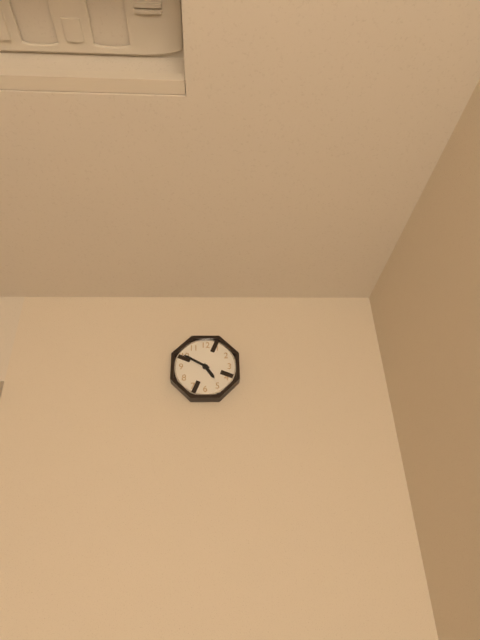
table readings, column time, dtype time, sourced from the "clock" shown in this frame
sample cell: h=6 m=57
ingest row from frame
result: h=4 m=50
